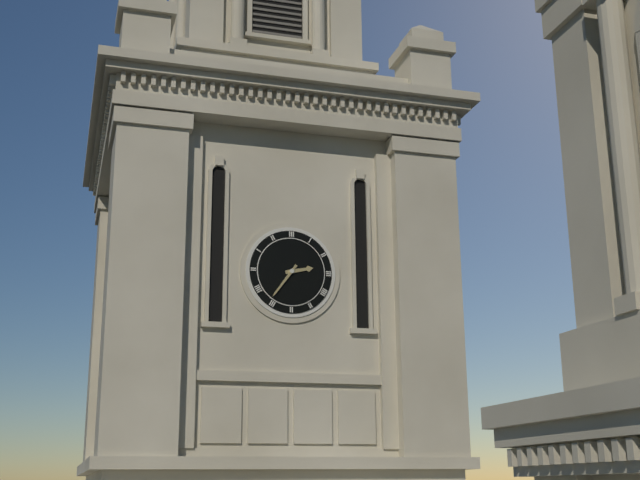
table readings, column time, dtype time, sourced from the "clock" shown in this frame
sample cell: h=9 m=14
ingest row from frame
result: h=2 m=36
